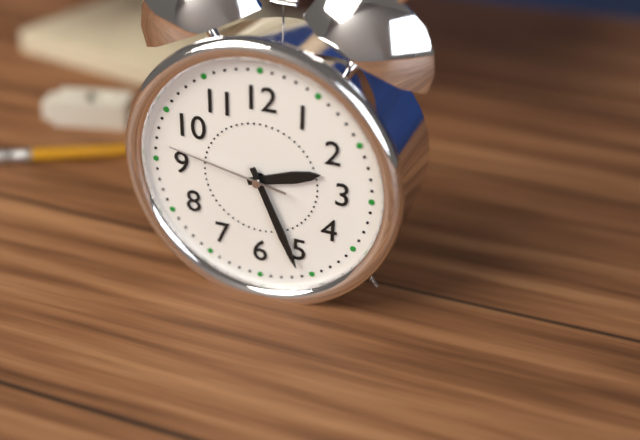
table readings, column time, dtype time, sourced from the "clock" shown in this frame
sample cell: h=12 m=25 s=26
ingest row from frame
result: h=2 m=26 s=47
